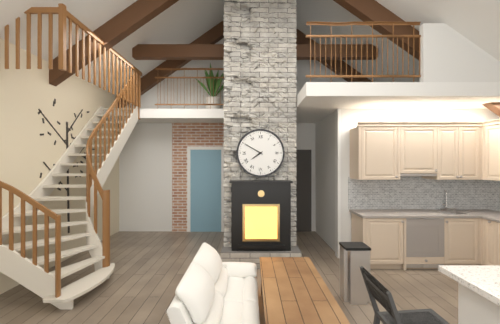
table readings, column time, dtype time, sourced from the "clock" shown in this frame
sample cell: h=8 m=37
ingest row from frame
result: h=7 m=50
